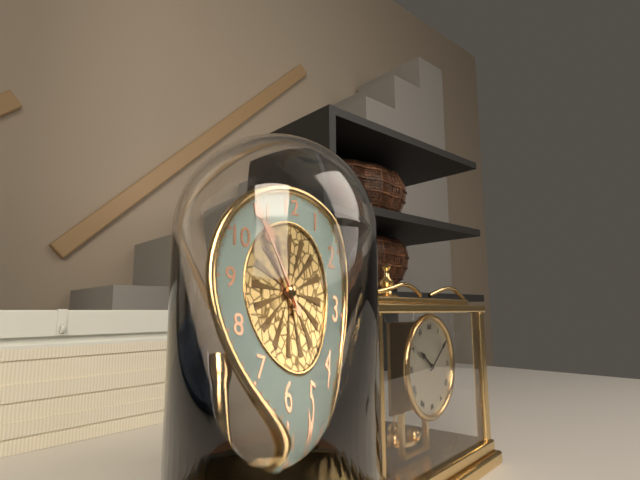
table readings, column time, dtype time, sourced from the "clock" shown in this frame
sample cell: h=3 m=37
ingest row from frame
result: h=10 m=54
